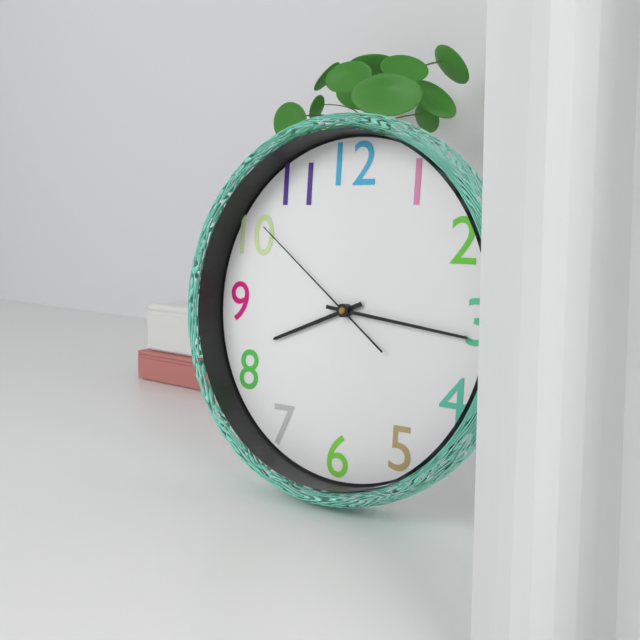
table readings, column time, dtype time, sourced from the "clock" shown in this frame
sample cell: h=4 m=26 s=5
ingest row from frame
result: h=8 m=16 s=51
